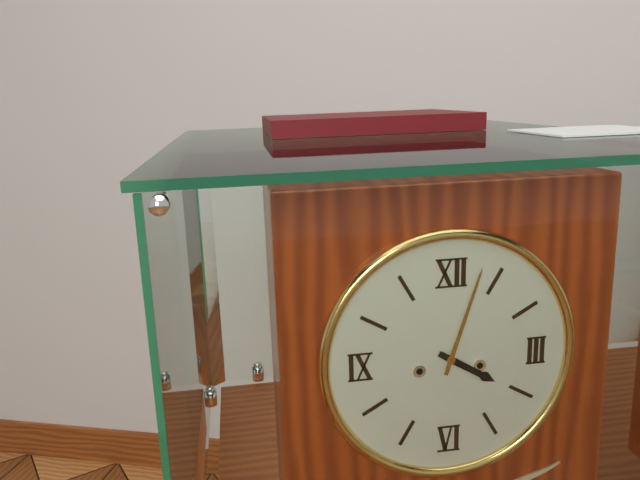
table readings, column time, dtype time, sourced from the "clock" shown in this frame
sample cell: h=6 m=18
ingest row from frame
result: h=4 m=3
